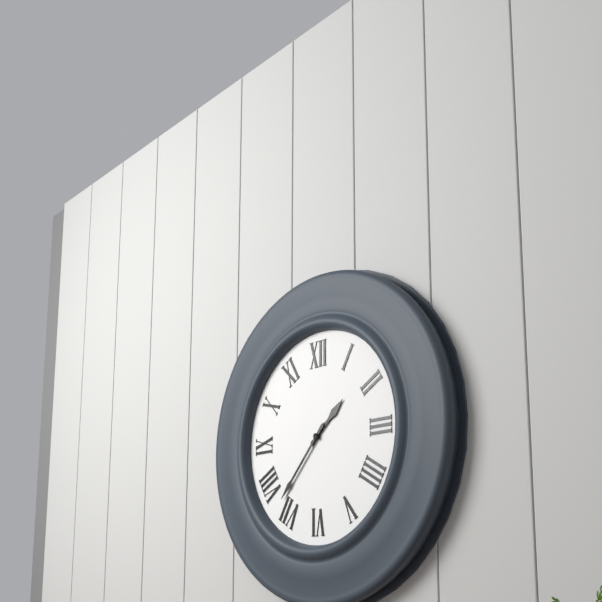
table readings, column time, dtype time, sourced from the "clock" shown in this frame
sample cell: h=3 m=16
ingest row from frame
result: h=1 m=37
